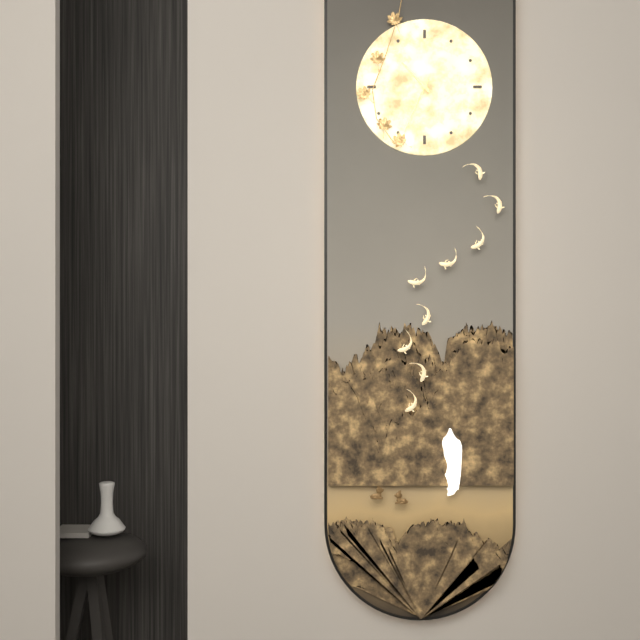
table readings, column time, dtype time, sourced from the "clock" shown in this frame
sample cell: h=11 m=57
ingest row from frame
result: h=10 m=34
